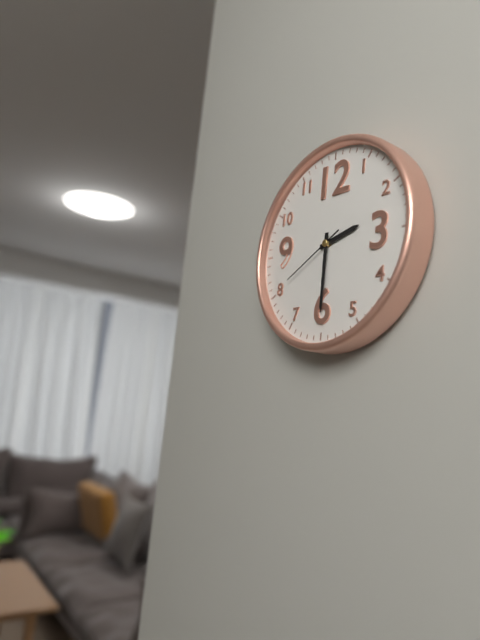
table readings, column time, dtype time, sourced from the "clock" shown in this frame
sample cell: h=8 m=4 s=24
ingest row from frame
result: h=2 m=30 s=40
